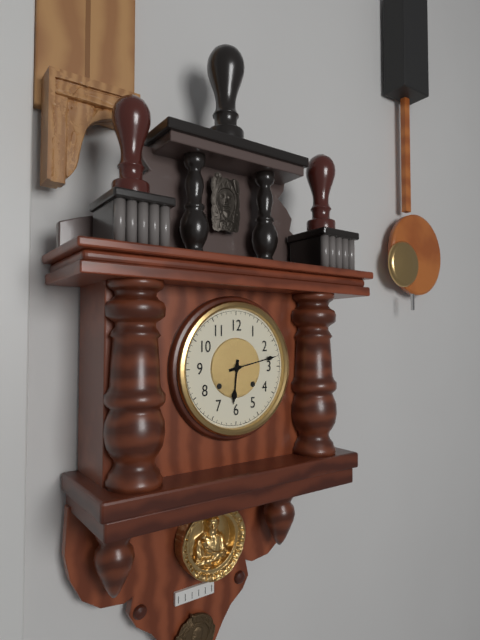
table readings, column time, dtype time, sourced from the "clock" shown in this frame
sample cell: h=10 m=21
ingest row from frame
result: h=6 m=13
